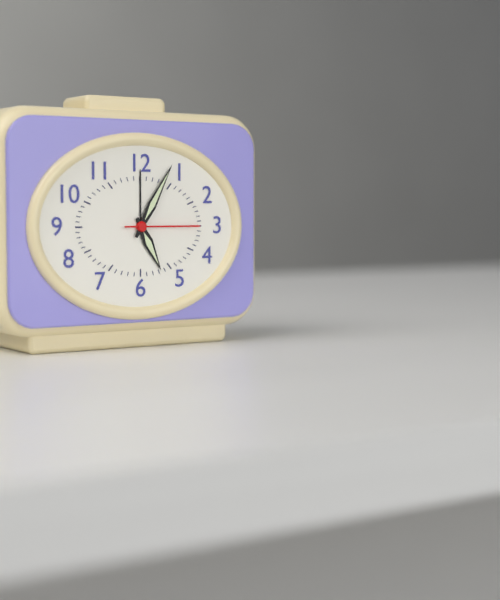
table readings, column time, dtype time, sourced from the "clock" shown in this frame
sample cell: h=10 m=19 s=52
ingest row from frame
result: h=5 m=5 s=15
